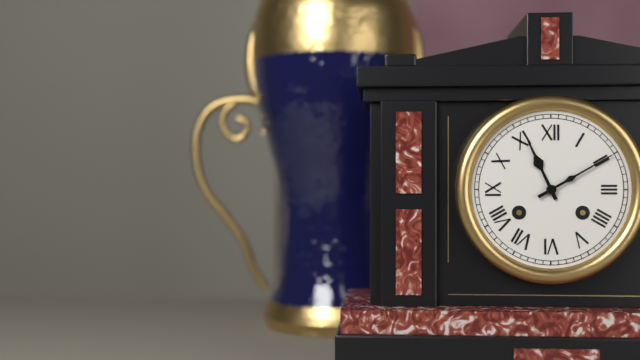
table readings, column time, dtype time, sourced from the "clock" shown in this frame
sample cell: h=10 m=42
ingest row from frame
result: h=11 m=10
